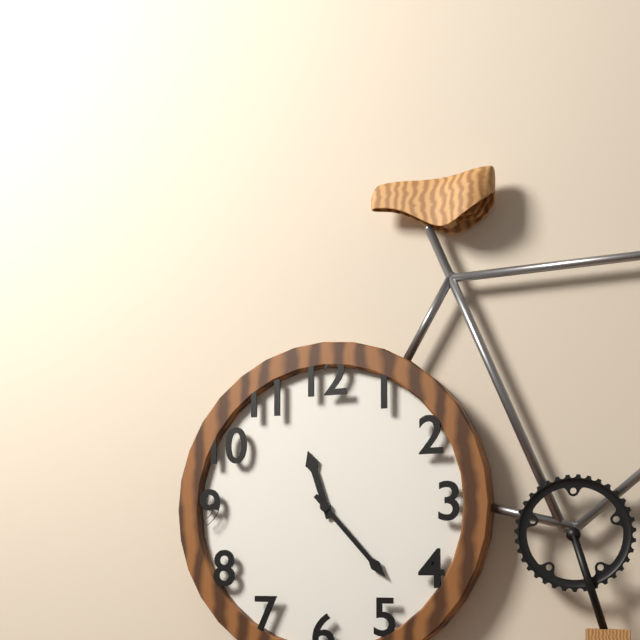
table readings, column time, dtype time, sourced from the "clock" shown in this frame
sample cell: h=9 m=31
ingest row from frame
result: h=11 m=23
